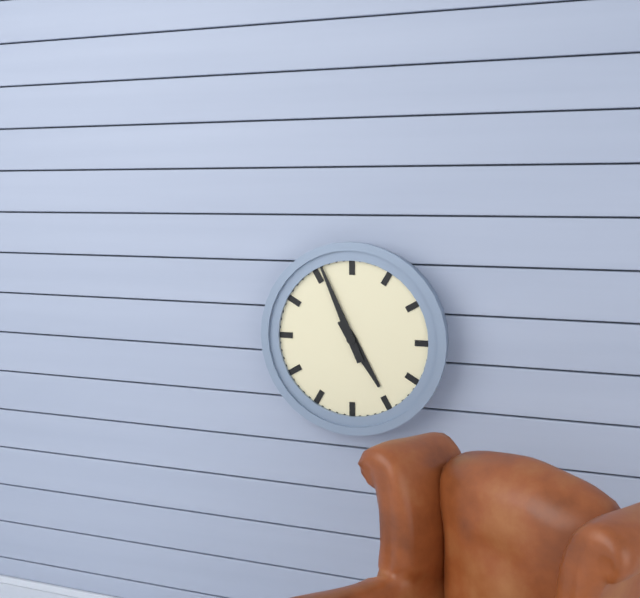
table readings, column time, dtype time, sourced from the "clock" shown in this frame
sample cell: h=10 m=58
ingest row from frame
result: h=4 m=56
